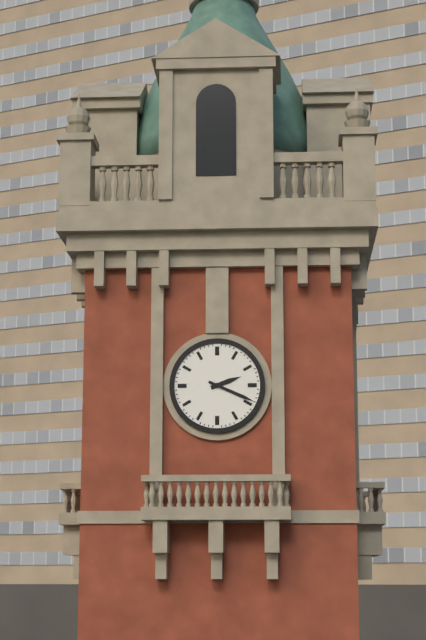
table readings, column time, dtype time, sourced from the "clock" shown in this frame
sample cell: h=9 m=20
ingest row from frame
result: h=2 m=19
